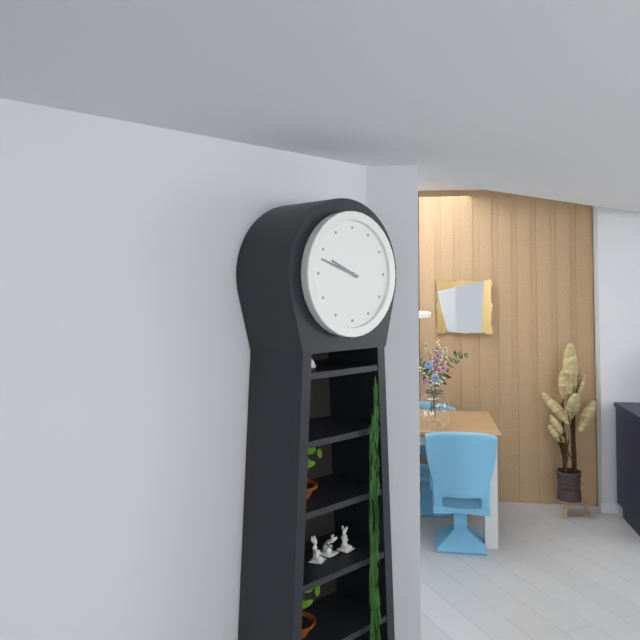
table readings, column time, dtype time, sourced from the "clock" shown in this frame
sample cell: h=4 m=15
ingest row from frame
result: h=9 m=48
